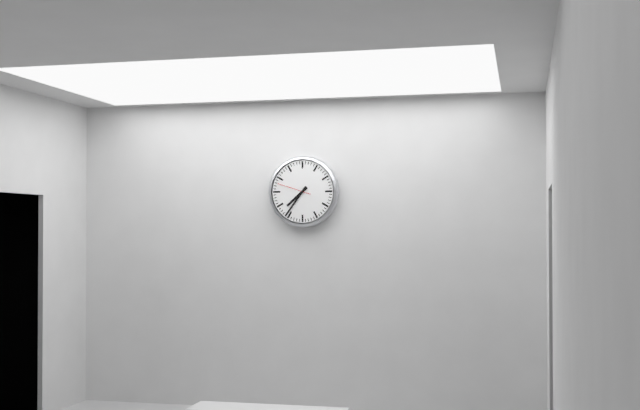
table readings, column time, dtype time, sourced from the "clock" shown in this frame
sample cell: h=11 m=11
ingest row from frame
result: h=7 m=36
